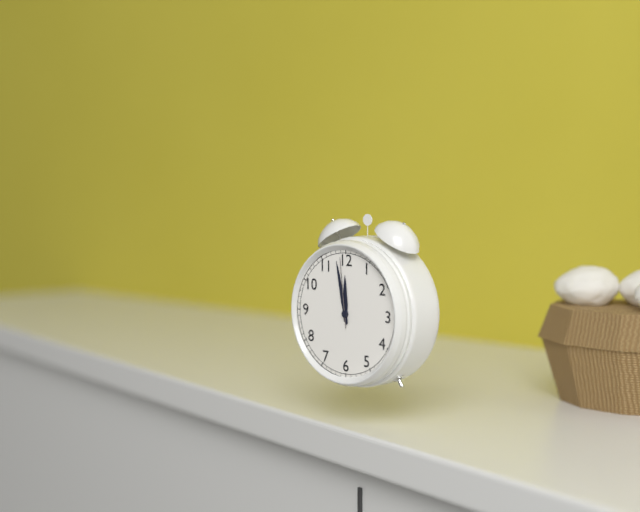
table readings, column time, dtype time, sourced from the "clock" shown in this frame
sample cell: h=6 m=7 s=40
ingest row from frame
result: h=11 m=58 s=59
